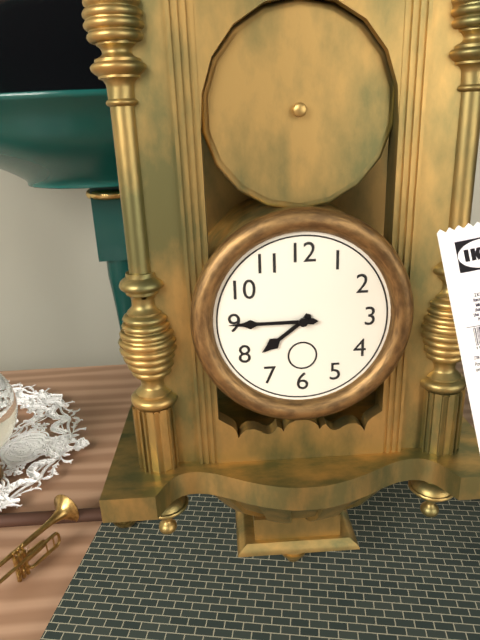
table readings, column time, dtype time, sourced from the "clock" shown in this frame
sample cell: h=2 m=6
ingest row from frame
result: h=7 m=45
